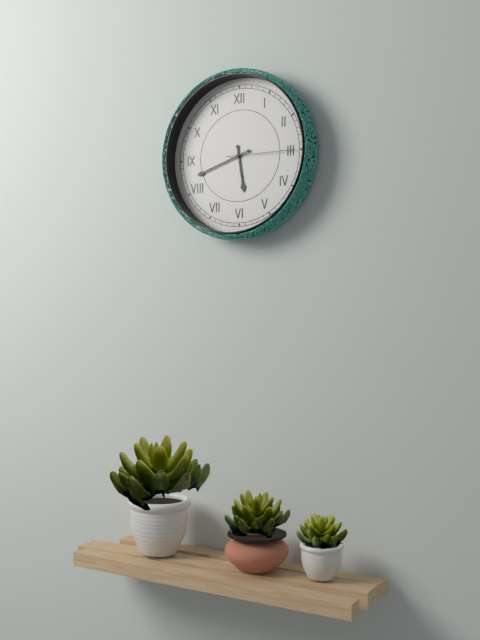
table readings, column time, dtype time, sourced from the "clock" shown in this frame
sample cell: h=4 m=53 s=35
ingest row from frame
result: h=5 m=42 s=15
